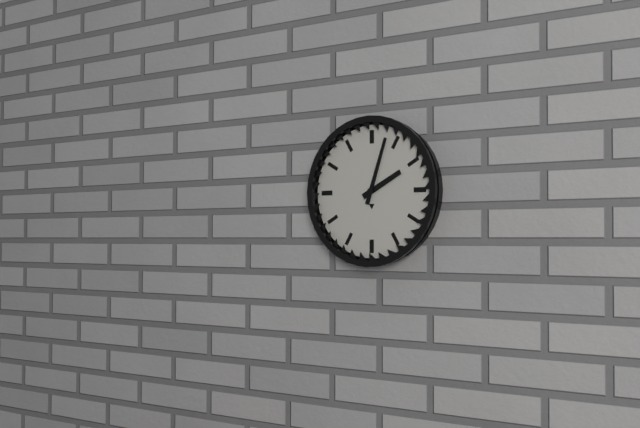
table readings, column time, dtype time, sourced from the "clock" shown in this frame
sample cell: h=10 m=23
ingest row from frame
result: h=2 m=3
